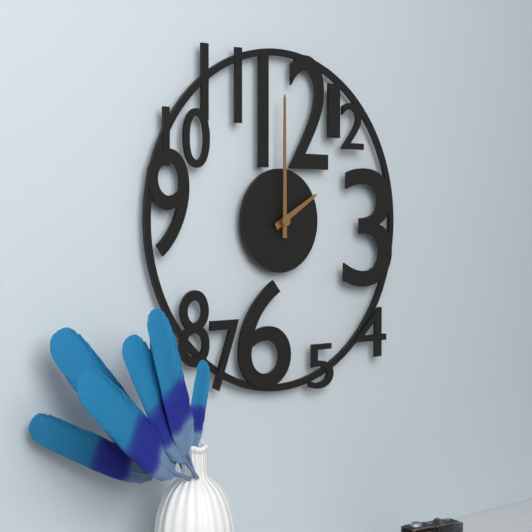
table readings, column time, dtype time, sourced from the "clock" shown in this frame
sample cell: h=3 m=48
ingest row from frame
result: h=2 m=0
